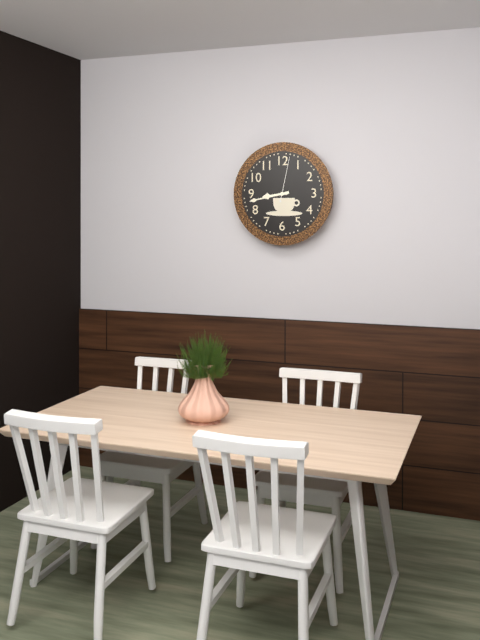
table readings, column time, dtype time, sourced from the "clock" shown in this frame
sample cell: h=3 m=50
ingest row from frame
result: h=8 m=43
